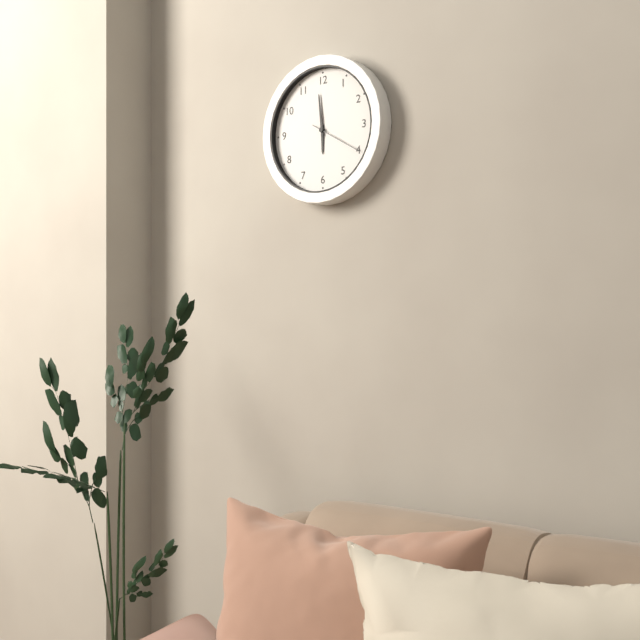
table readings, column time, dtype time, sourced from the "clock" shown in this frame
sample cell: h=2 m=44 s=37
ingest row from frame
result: h=5 m=59 s=20
